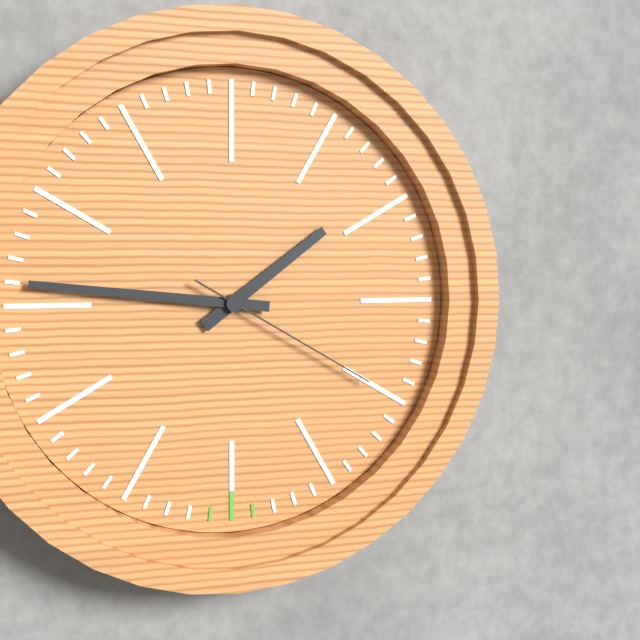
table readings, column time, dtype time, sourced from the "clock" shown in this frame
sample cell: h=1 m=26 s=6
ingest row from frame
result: h=1 m=46 s=20
